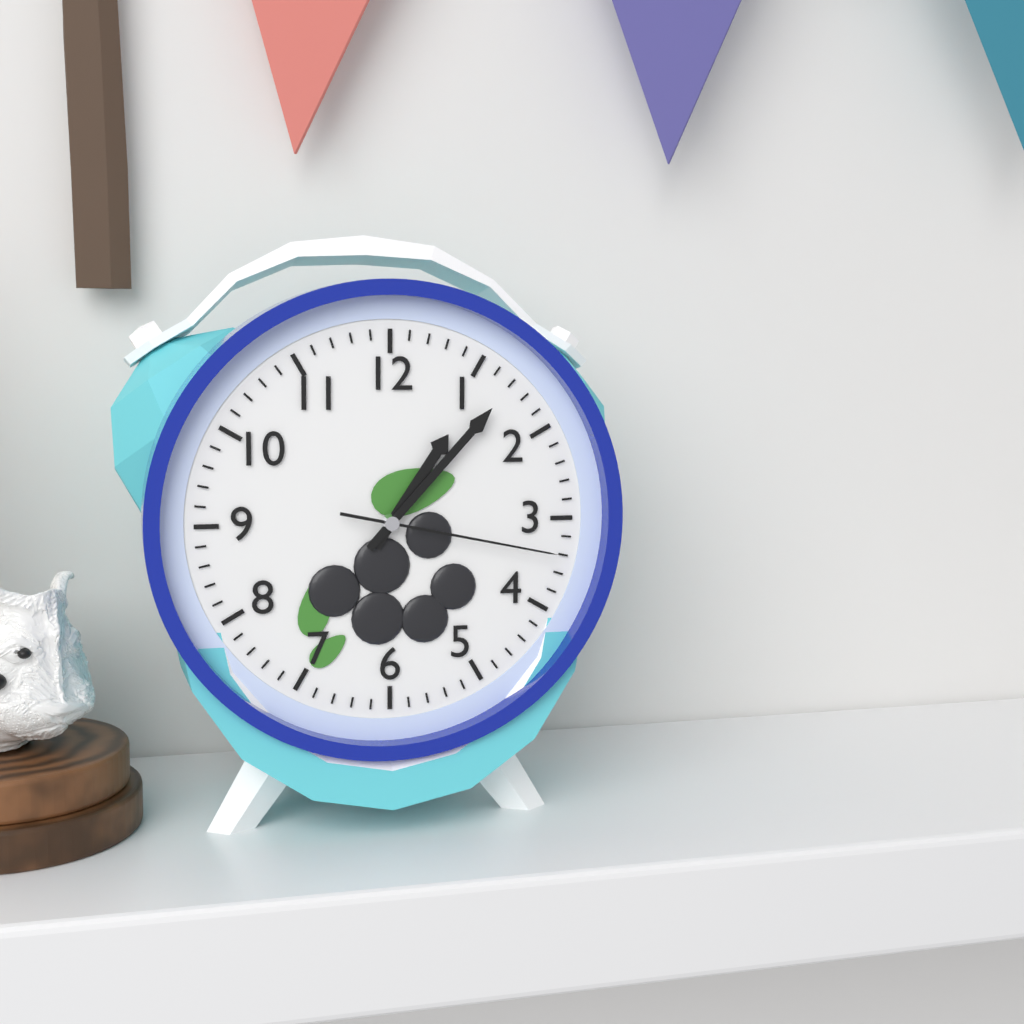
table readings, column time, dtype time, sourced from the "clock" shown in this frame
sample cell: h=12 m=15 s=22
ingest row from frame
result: h=1 m=7 s=17
